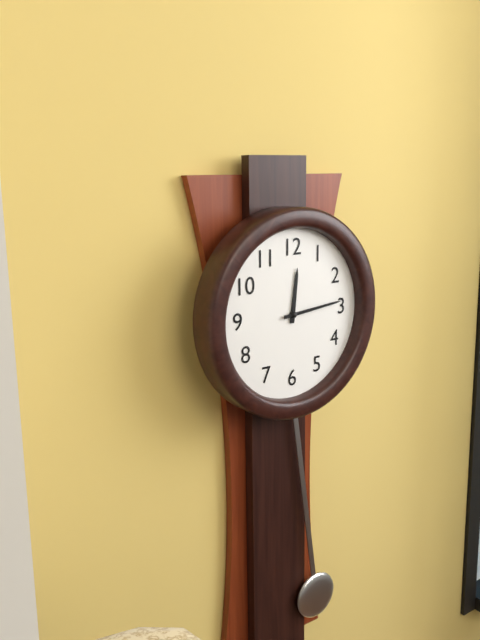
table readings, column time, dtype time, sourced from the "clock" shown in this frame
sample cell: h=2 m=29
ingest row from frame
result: h=12 m=14
